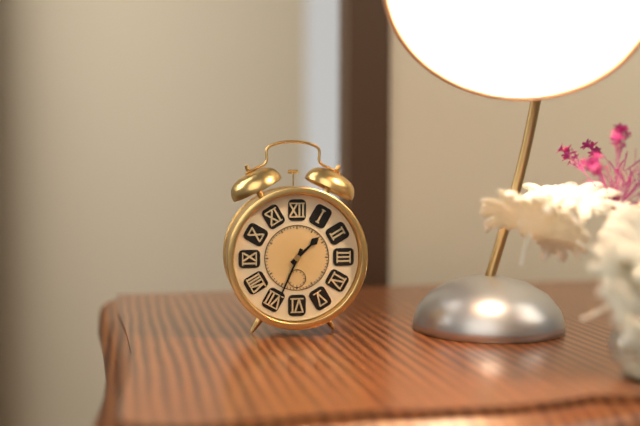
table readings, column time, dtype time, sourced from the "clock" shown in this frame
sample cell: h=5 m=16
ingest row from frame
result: h=1 m=34
